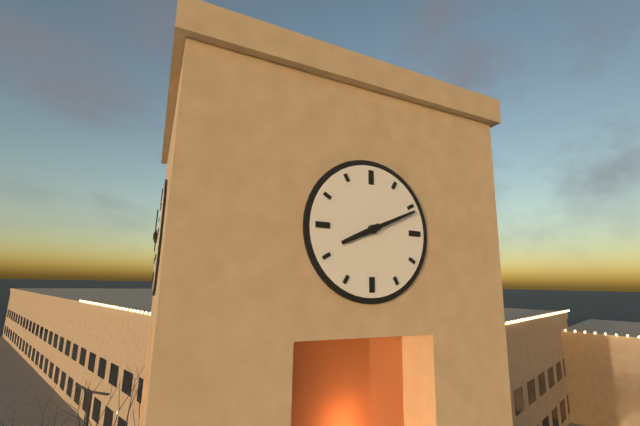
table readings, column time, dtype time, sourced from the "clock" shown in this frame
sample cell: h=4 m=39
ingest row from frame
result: h=8 m=11
